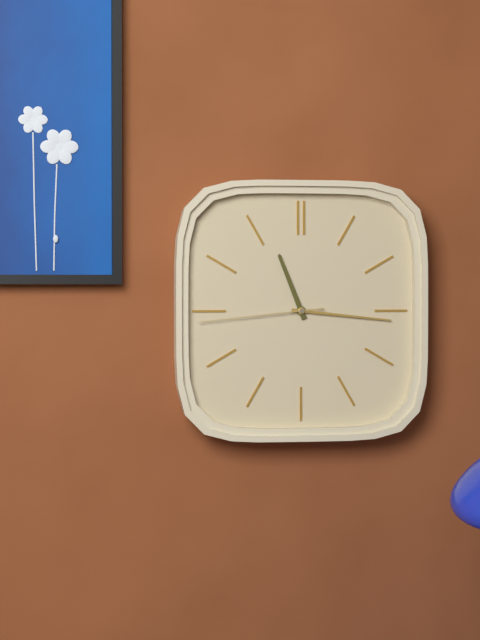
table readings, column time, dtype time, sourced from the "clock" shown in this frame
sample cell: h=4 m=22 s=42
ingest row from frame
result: h=11 m=16 s=44
